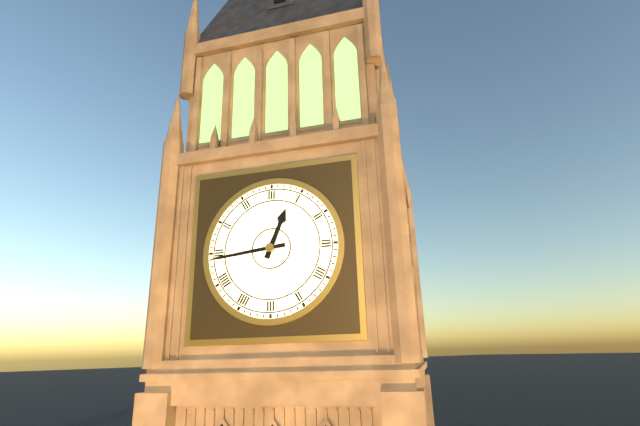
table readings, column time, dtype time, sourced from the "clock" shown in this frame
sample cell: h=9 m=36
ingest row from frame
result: h=12 m=44
